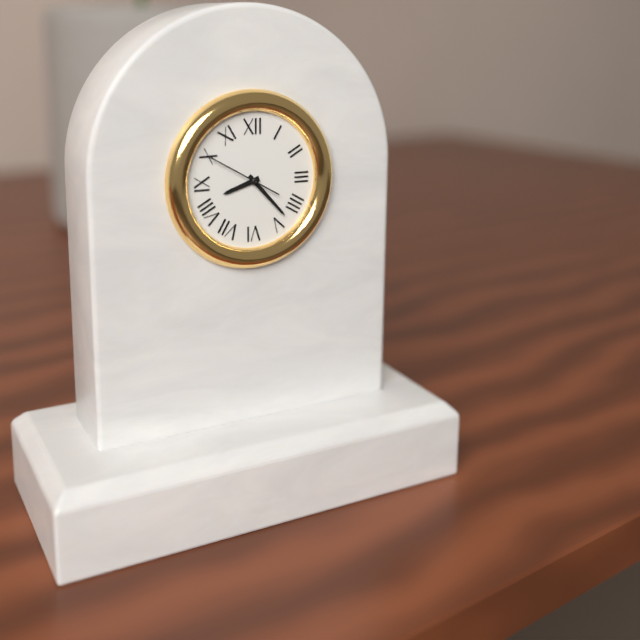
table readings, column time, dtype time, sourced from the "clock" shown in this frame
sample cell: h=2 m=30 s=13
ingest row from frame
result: h=8 m=23 s=50
